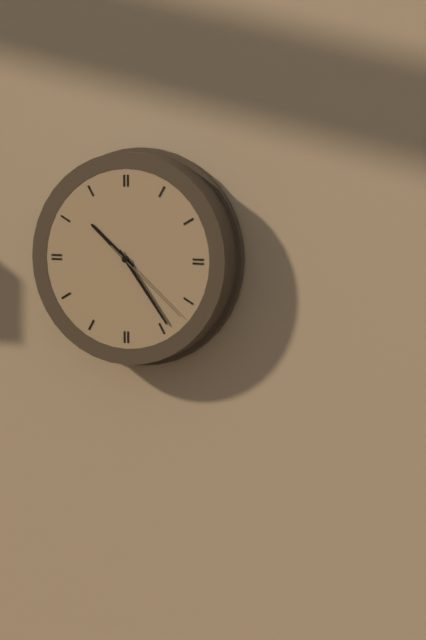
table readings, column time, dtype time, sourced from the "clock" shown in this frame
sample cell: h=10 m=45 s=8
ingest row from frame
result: h=10 m=24 s=22
